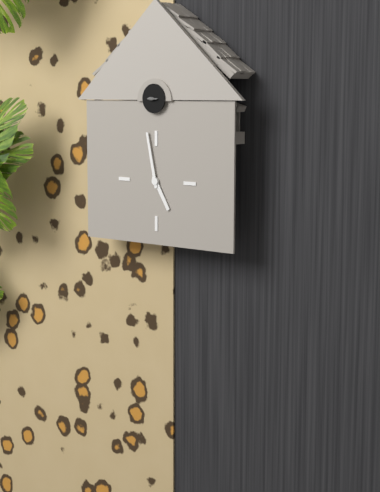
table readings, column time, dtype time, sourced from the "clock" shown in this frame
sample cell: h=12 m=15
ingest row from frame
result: h=4 m=58
